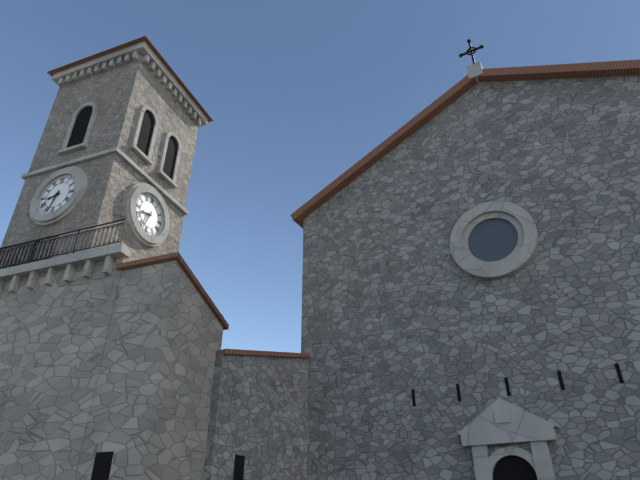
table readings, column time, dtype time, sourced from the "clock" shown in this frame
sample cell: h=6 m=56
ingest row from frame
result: h=8 m=33
